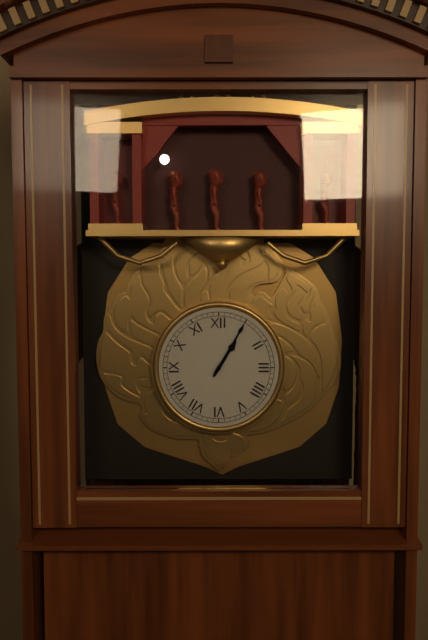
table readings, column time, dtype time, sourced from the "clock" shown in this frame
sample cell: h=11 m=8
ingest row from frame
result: h=1 m=5
